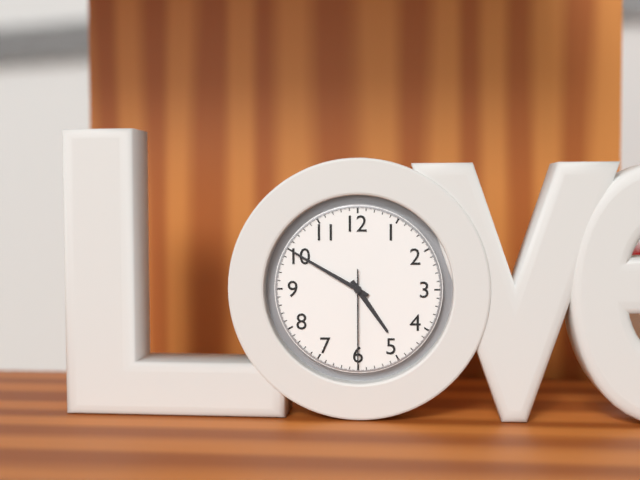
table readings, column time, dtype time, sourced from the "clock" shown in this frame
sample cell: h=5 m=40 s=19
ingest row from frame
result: h=4 m=50 s=30
